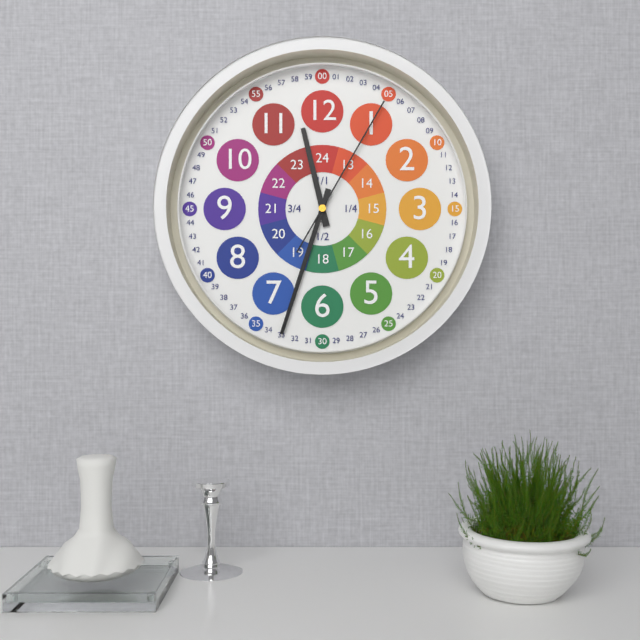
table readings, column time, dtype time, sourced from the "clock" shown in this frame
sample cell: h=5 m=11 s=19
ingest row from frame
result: h=11 m=33 s=5
